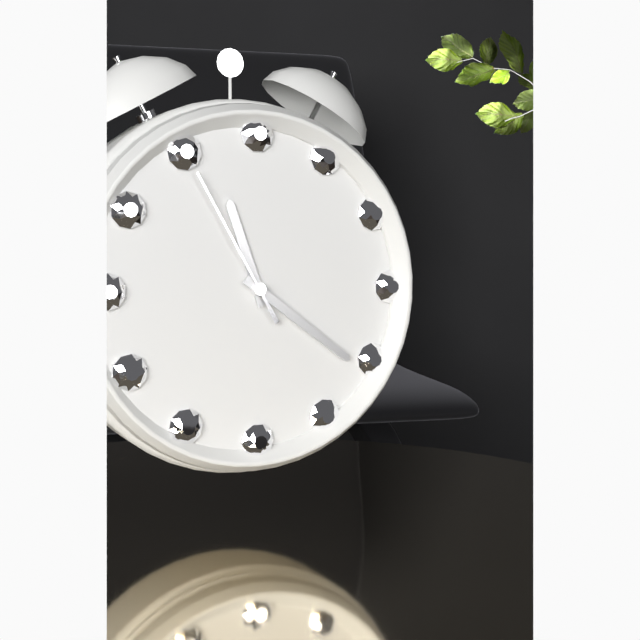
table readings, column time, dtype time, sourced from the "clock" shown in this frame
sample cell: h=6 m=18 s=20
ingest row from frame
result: h=11 m=21 s=55
